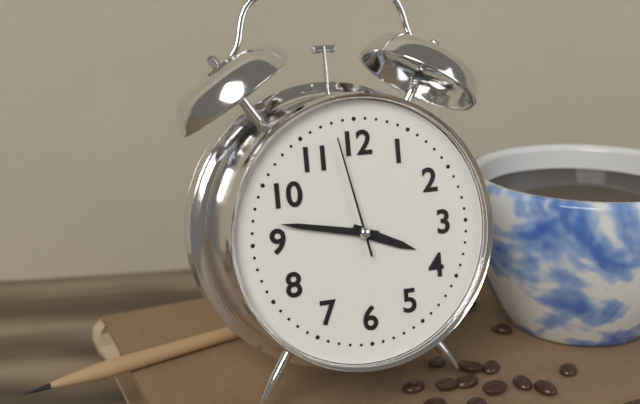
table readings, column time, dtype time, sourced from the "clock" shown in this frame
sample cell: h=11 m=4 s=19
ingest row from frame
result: h=3 m=47 s=58
